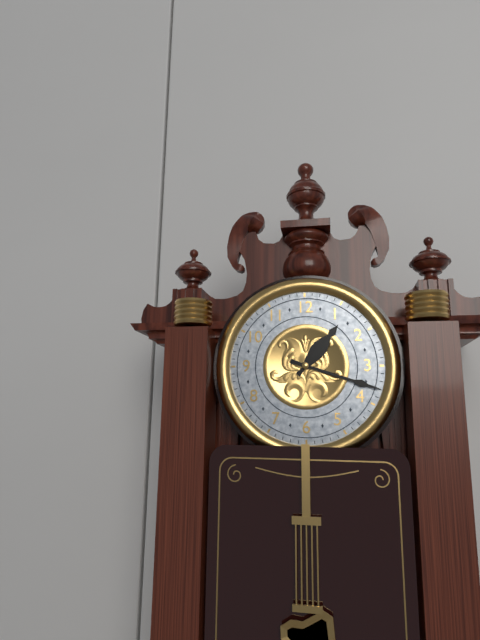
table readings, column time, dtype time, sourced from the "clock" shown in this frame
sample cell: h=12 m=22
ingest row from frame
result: h=1 m=18
